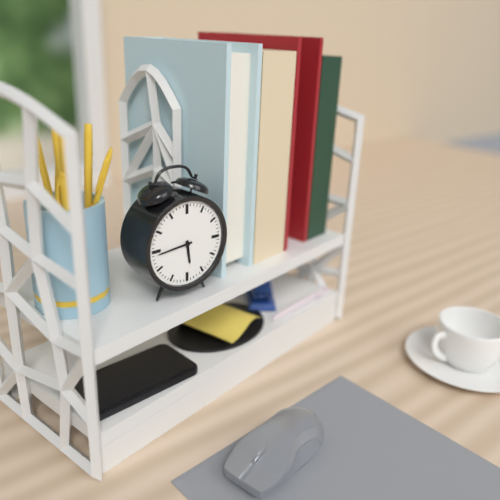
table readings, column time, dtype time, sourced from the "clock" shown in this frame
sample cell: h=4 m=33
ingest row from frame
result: h=5 m=44
